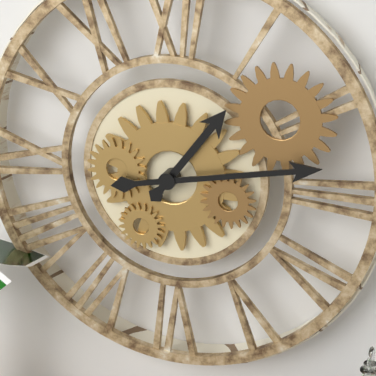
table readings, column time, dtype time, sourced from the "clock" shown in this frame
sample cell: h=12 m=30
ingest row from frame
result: h=1 m=13
